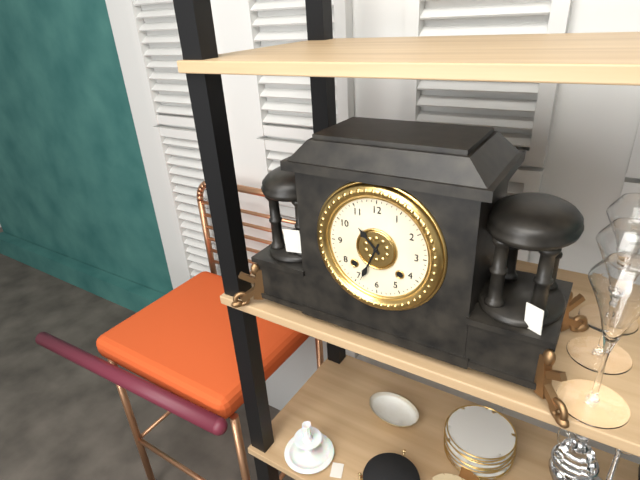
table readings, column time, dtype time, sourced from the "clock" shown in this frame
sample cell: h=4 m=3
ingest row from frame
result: h=10 m=34
